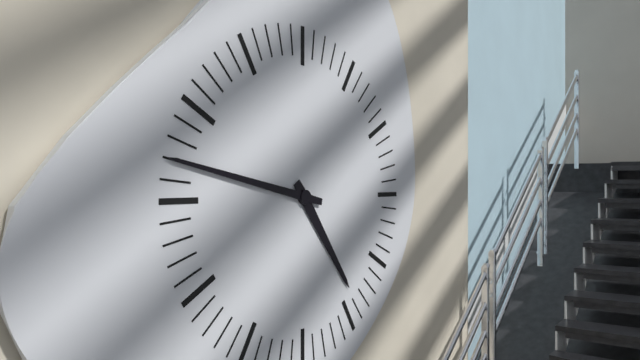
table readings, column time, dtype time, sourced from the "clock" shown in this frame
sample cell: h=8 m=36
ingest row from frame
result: h=4 m=47
